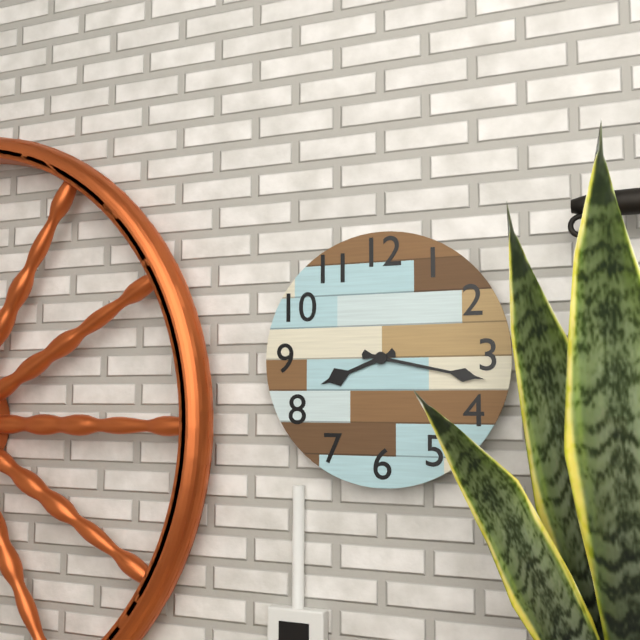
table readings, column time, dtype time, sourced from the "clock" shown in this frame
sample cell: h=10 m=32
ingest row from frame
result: h=8 m=17
